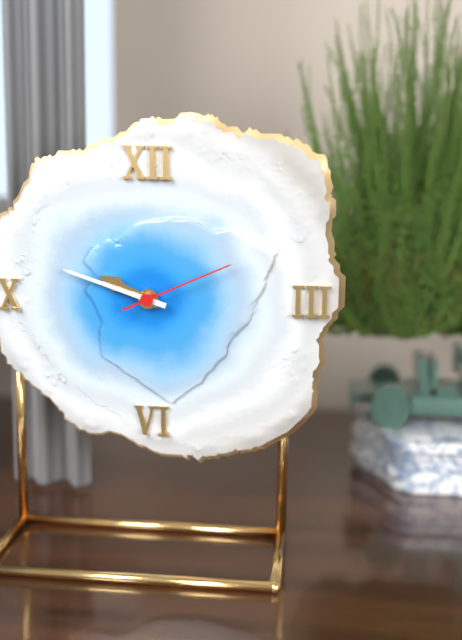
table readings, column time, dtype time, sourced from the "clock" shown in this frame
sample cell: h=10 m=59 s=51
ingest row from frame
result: h=9 m=48 s=11
